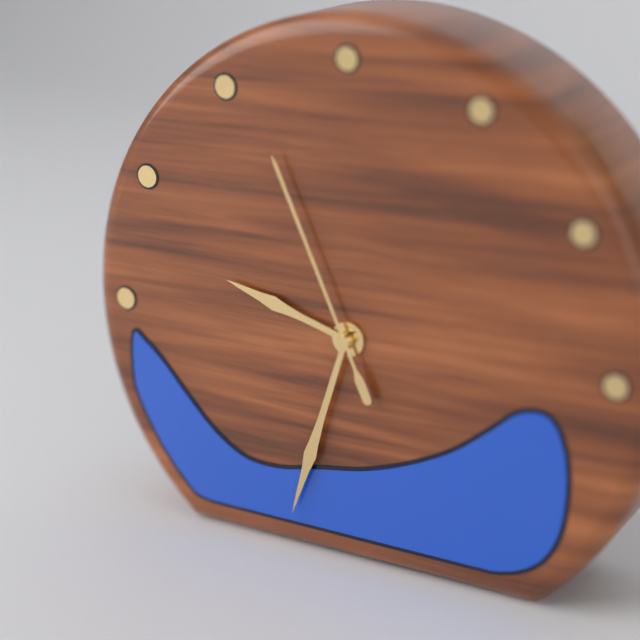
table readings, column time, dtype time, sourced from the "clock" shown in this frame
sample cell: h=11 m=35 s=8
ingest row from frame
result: h=9 m=33 s=56
